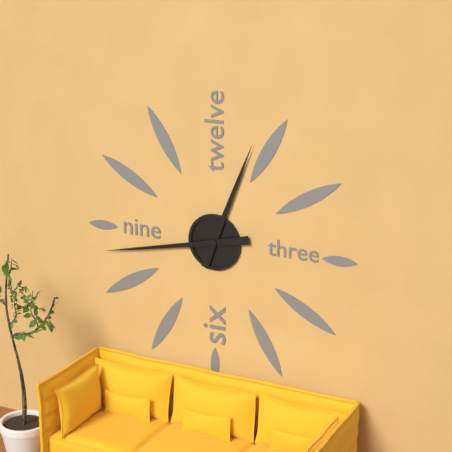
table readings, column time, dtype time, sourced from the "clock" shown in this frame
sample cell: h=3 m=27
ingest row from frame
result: h=12 m=43
